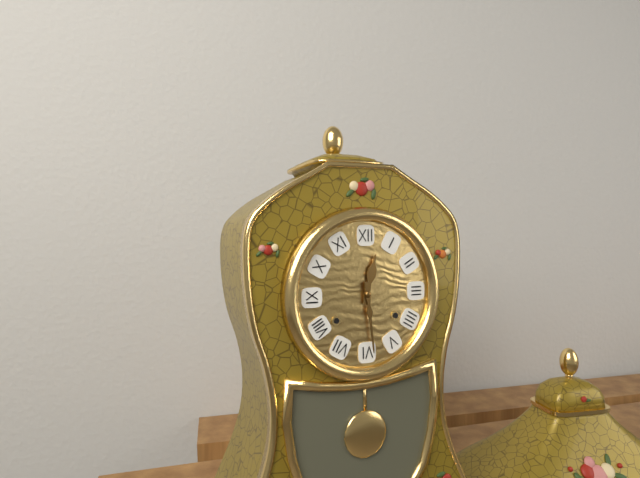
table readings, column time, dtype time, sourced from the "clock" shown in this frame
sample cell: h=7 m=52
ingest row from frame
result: h=12 m=29
